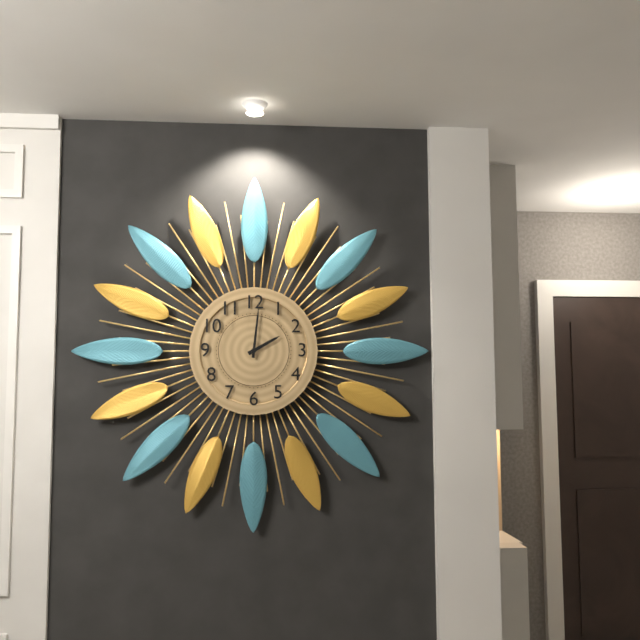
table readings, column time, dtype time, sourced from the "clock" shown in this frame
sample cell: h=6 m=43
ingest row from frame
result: h=2 m=1
